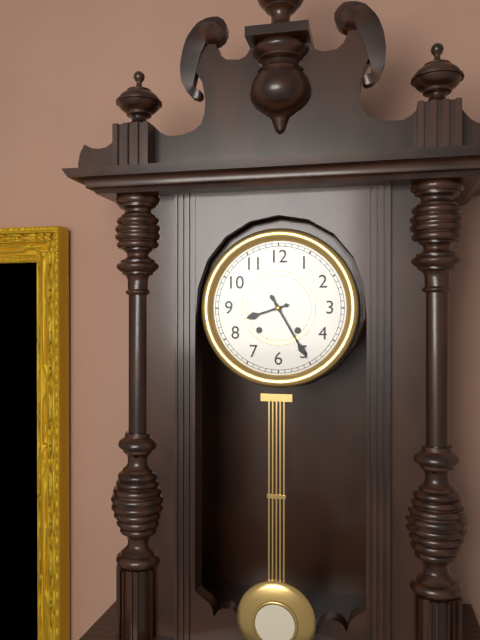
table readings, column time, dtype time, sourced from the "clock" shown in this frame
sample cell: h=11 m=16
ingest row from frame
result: h=8 m=25
